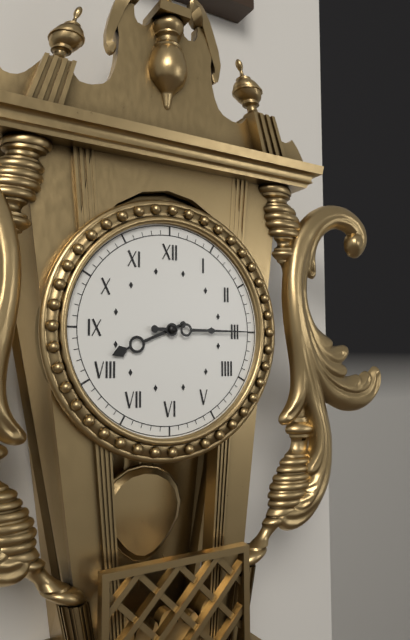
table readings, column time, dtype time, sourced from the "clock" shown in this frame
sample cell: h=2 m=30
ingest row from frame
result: h=8 m=15
